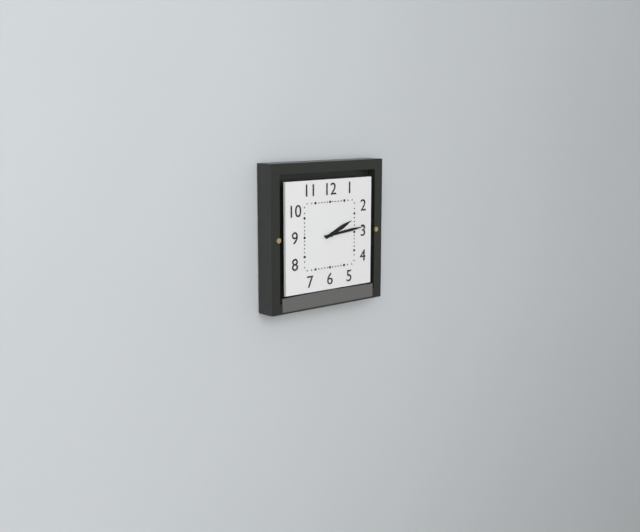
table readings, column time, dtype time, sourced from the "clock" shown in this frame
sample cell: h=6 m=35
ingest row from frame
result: h=2 m=14
